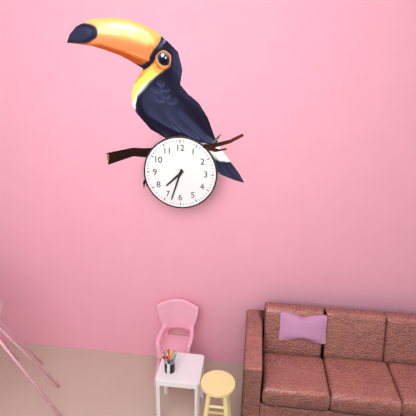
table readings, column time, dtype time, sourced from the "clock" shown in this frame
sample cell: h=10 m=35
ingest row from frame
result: h=7 m=33
